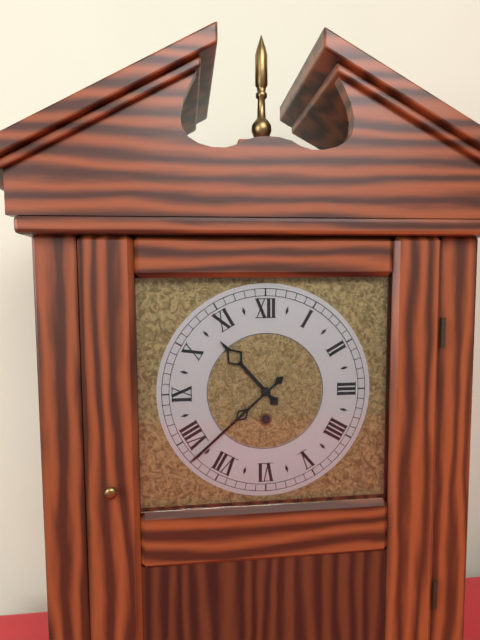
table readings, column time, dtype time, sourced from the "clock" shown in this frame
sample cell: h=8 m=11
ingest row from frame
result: h=10 m=38
